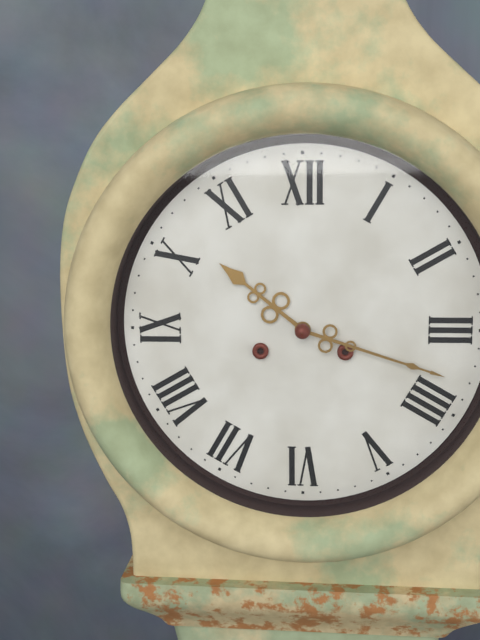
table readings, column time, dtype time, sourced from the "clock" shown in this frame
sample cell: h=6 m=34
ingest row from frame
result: h=10 m=18
